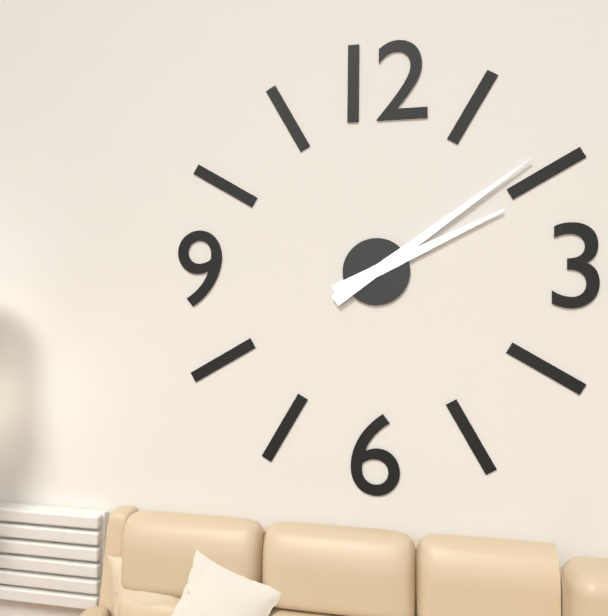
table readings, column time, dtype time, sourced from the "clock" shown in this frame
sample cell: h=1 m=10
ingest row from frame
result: h=2 m=9
